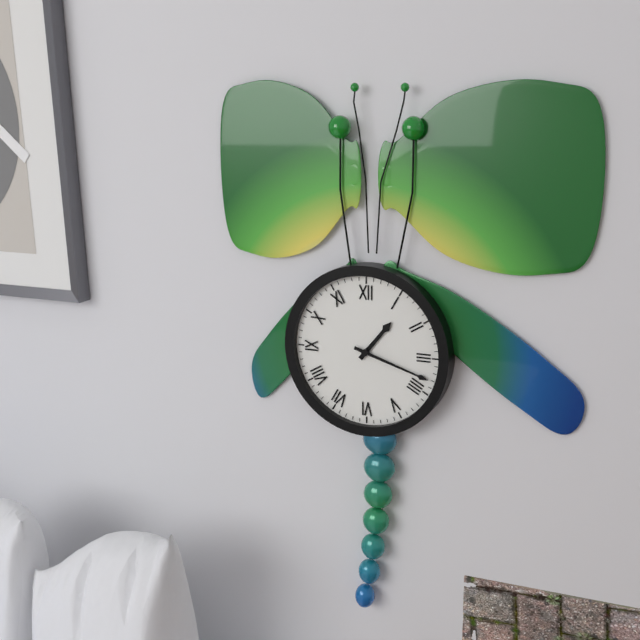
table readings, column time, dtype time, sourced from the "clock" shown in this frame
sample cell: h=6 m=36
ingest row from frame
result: h=1 m=18
